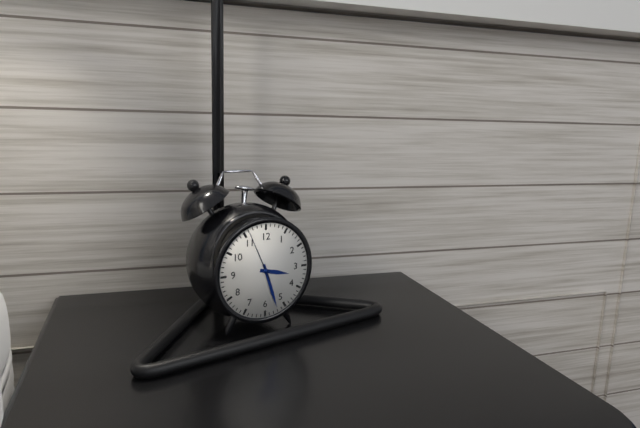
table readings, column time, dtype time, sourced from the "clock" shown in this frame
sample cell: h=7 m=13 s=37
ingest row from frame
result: h=3 m=27 s=56
